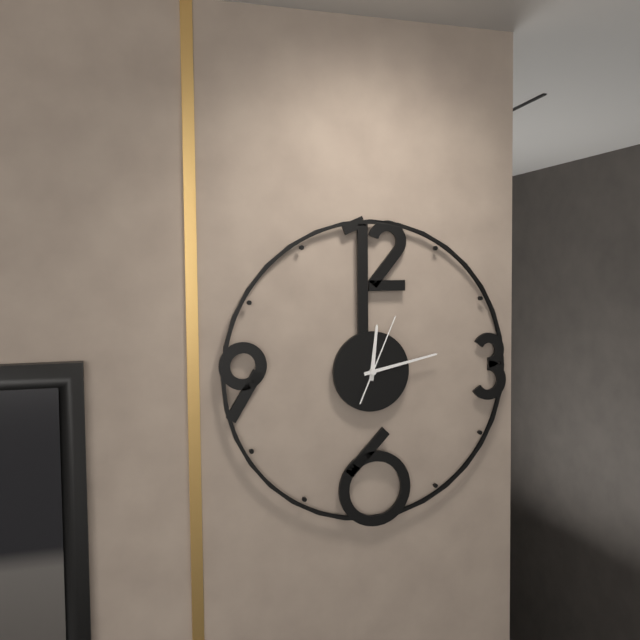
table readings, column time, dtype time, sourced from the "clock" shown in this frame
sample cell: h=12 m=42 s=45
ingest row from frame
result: h=12 m=13 s=4
